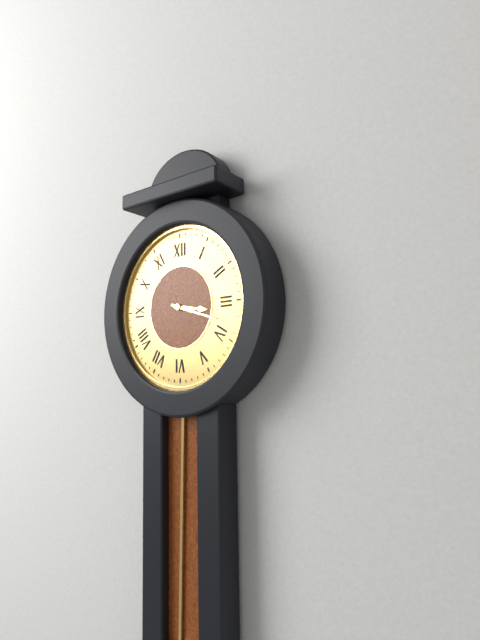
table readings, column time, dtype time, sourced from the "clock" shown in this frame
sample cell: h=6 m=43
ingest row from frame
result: h=3 m=18
